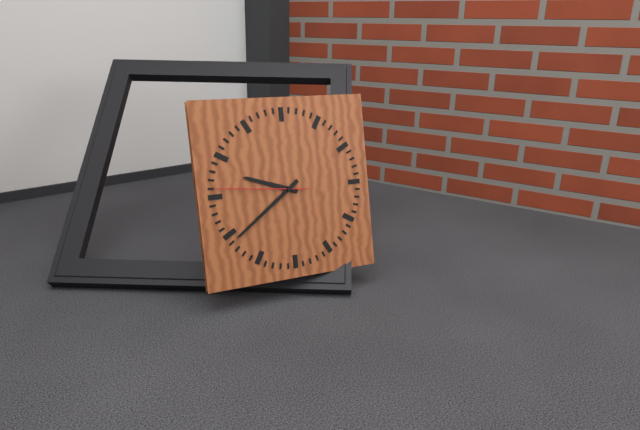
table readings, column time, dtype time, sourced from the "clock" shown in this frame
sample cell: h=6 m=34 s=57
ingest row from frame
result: h=9 m=39 s=46
